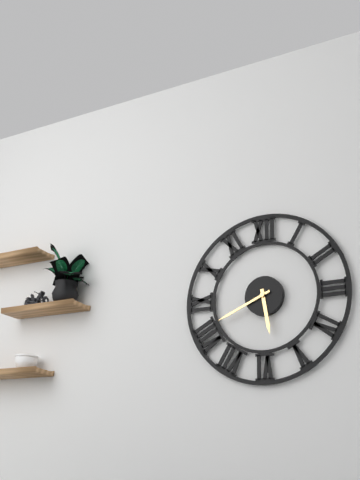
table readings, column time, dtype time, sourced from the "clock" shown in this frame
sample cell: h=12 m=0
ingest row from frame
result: h=5 m=41
